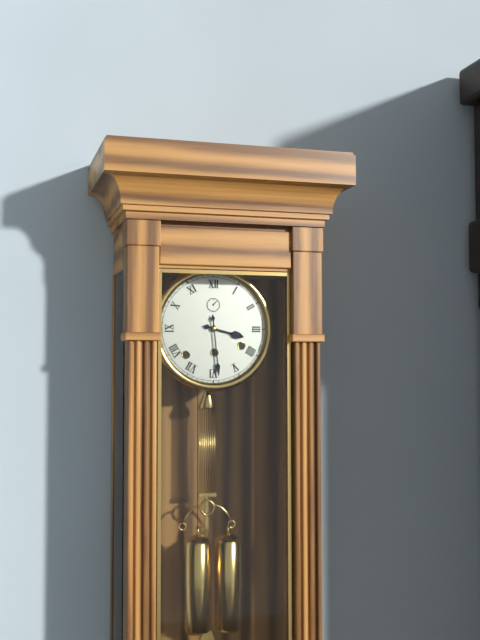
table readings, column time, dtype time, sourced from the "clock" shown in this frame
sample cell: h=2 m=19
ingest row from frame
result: h=3 m=29
